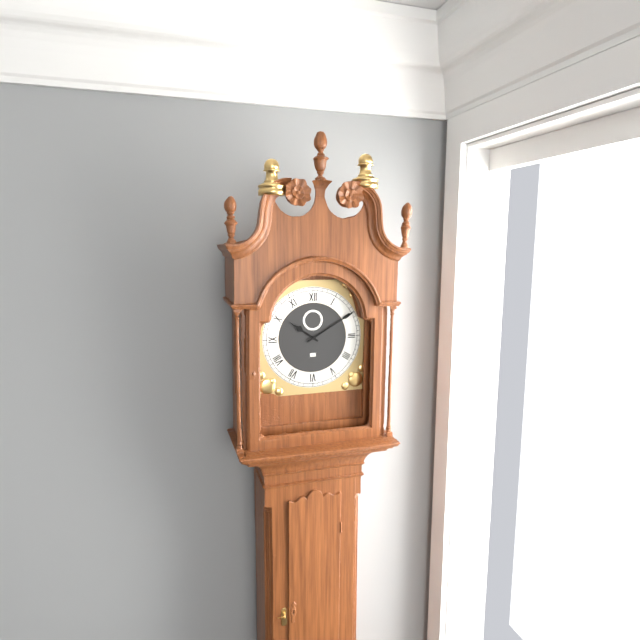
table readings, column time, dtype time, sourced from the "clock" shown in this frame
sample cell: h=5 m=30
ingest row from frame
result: h=10 m=10
